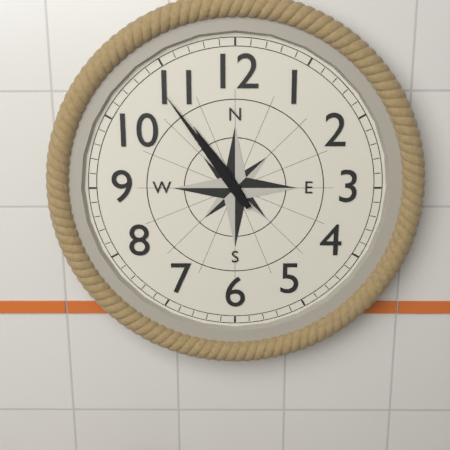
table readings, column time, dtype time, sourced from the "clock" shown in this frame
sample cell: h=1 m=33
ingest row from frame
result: h=10 m=54
